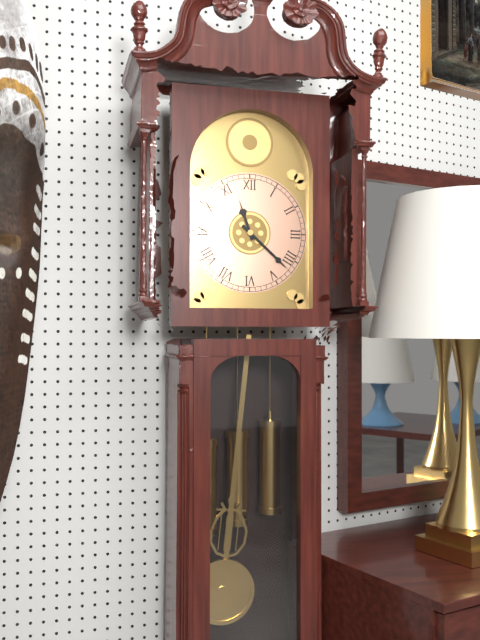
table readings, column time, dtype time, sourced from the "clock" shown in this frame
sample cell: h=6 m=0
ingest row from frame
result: h=11 m=22
